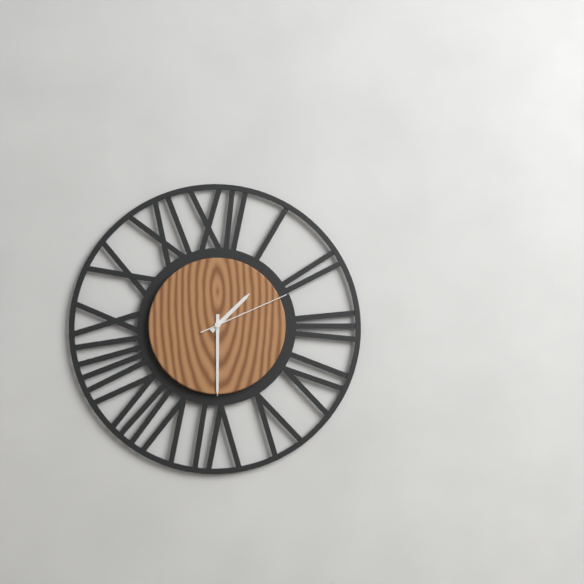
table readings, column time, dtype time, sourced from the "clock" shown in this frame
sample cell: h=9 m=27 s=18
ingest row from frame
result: h=1 m=30 s=11
